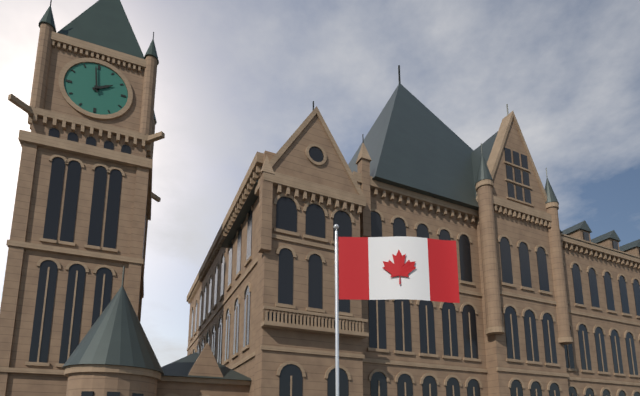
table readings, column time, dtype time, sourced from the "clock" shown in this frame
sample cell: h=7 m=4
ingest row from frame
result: h=1 m=59
